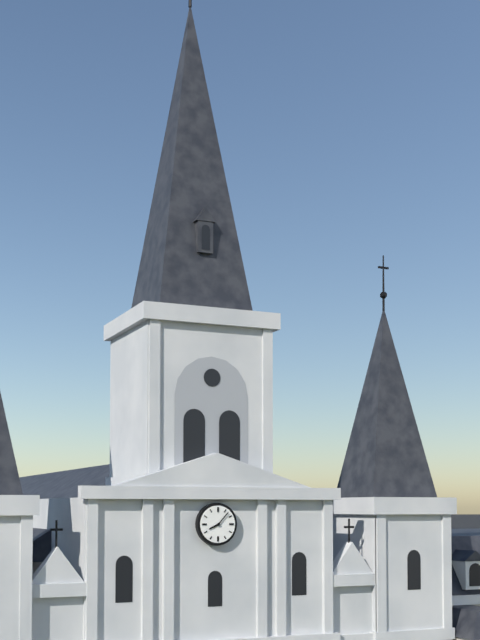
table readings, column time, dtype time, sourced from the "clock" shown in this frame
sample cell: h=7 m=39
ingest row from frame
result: h=8 m=7
